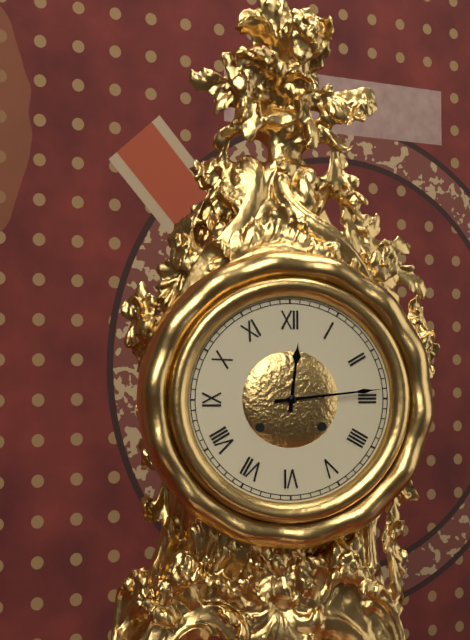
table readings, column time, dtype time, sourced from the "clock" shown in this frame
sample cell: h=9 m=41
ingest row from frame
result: h=12 m=14
